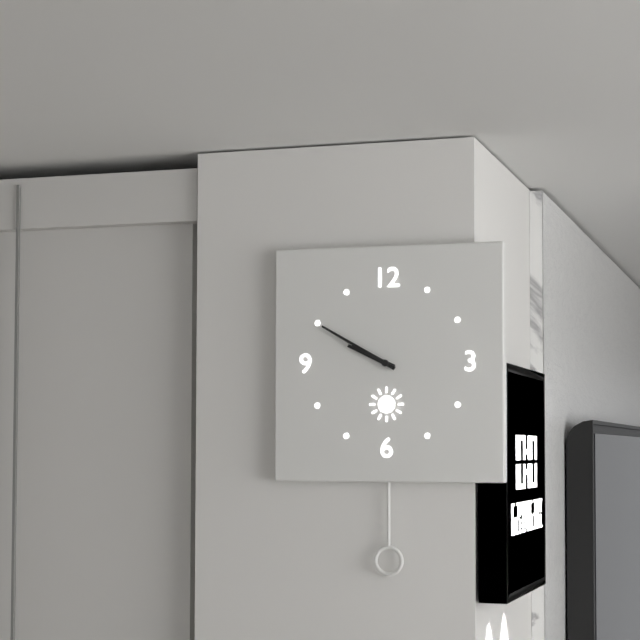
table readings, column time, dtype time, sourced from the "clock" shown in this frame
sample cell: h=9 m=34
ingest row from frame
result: h=9 m=50
